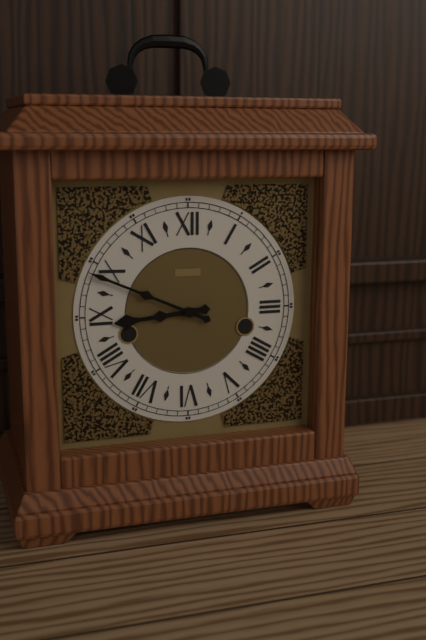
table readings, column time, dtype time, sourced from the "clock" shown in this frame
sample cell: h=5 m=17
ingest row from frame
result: h=8 m=49
